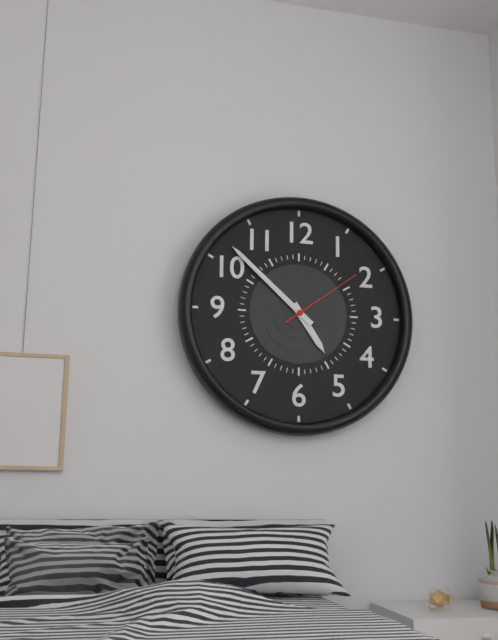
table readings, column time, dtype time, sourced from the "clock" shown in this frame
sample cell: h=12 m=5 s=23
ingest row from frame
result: h=4 m=52 s=9
